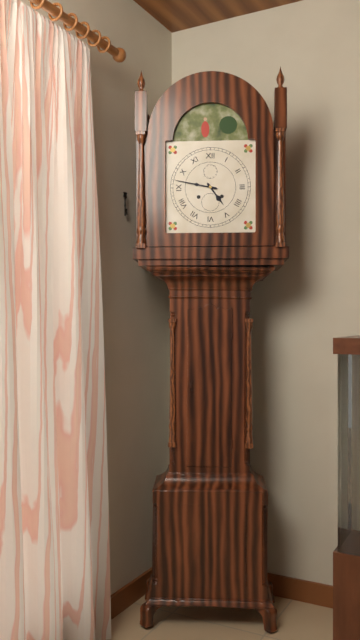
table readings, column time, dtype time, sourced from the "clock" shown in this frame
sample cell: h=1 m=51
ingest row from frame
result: h=4 m=47
